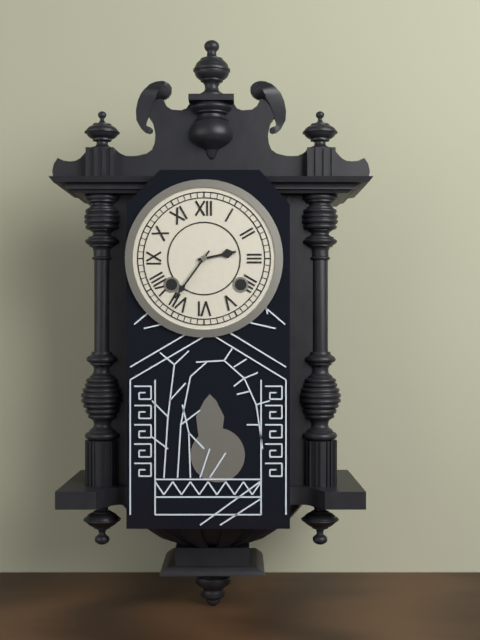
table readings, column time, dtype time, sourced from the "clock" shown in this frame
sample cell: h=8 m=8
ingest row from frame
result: h=2 m=36
